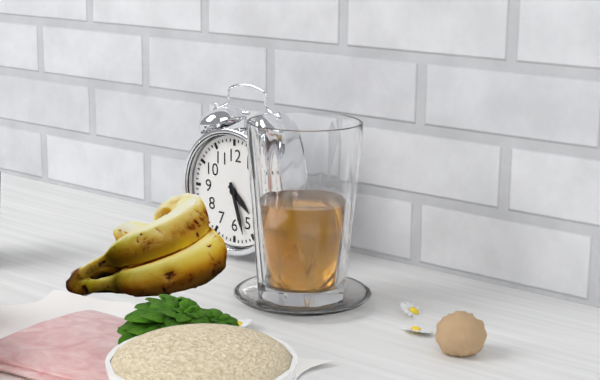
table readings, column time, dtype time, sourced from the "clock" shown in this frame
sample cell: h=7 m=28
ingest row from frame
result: h=4 m=27
